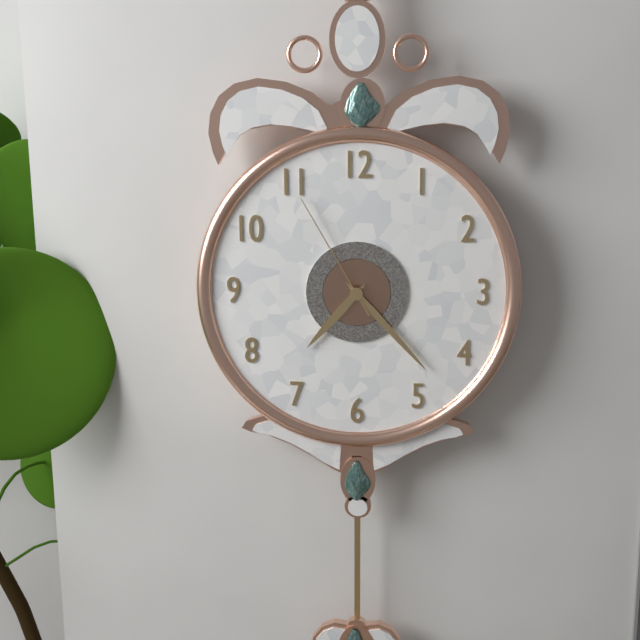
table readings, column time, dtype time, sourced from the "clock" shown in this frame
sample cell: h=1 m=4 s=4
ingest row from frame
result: h=7 m=23 s=55
